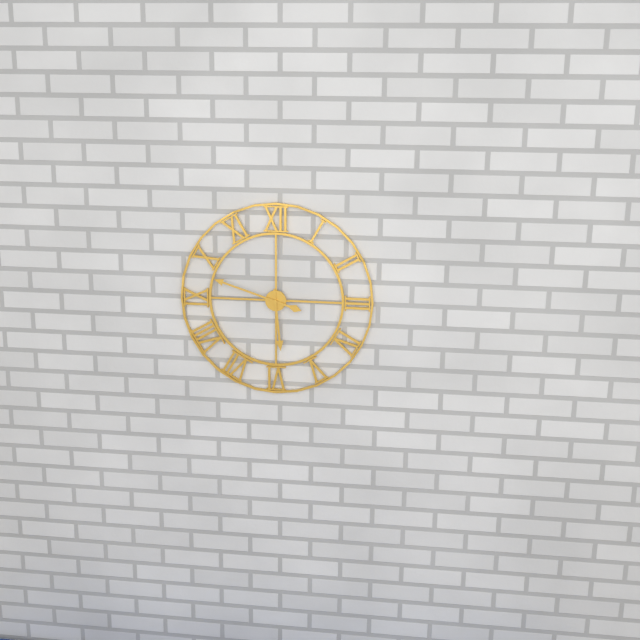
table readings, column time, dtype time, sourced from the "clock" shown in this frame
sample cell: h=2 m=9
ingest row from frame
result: h=5 m=48
